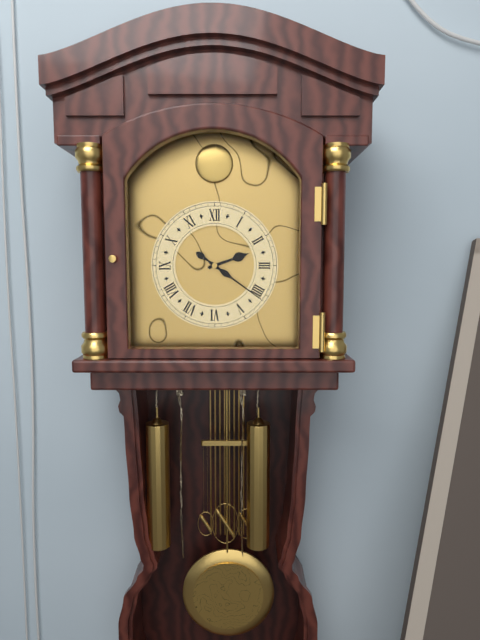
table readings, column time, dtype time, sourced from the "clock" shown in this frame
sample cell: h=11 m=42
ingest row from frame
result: h=2 m=21
